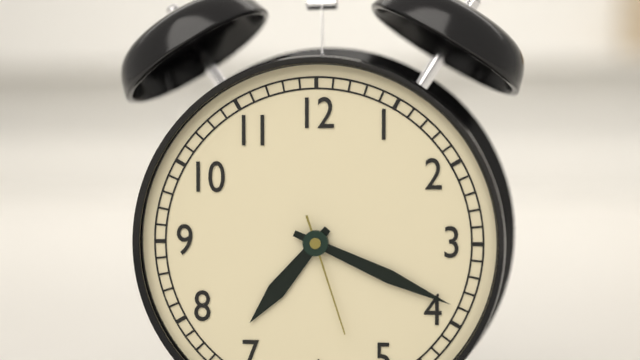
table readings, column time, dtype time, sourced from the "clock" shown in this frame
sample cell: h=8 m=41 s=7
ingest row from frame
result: h=7 m=19 s=27
